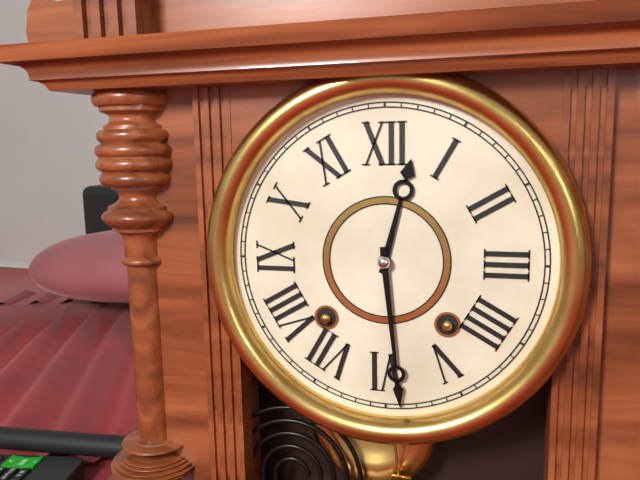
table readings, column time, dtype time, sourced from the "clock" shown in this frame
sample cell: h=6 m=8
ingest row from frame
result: h=12 m=29
